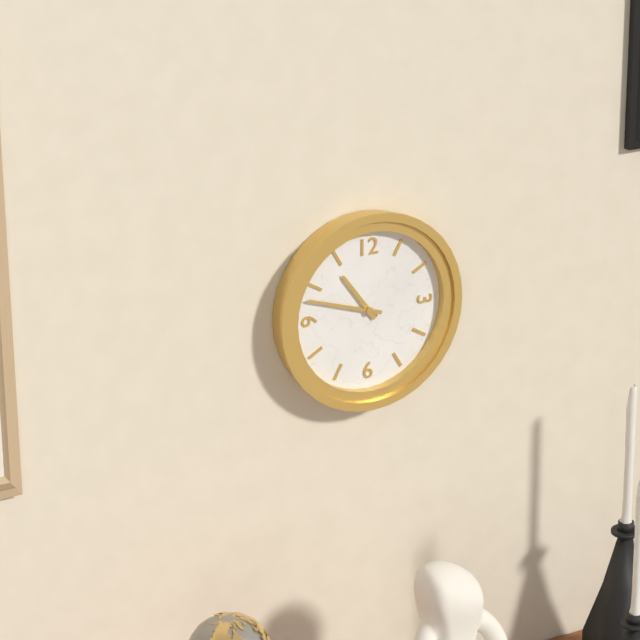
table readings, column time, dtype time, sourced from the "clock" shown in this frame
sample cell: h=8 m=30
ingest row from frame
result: h=10 m=48
